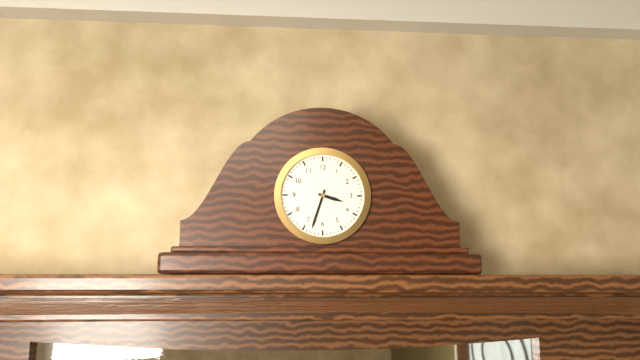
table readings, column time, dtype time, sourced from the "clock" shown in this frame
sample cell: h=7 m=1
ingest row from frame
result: h=3 m=33
